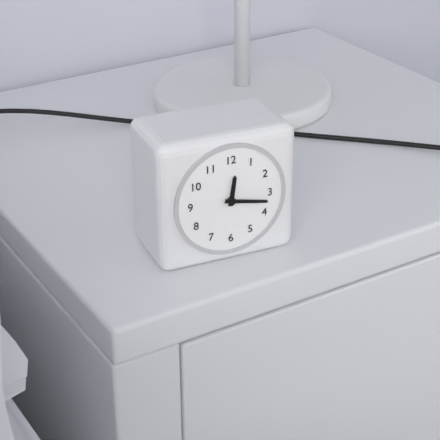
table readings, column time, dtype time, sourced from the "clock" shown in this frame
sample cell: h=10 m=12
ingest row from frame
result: h=12 m=17
